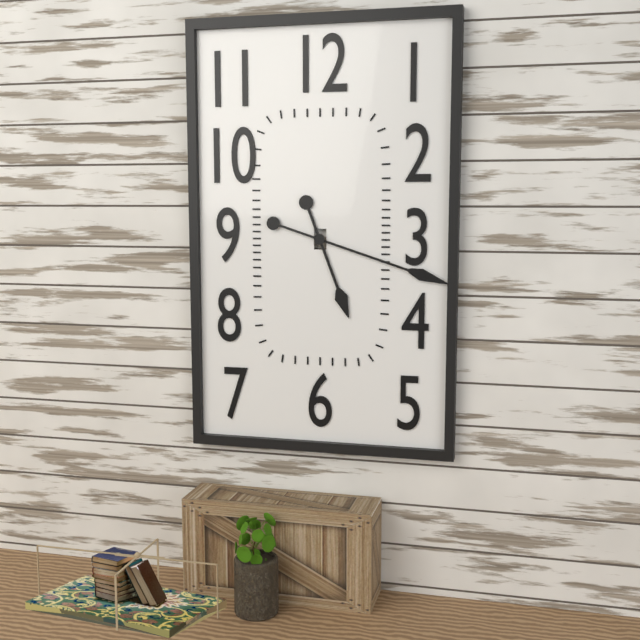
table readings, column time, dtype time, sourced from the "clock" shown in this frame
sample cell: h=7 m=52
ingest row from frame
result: h=5 m=18
